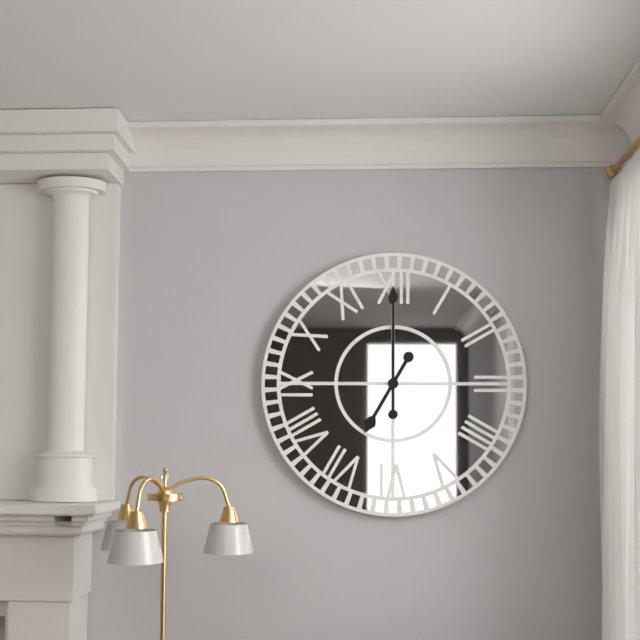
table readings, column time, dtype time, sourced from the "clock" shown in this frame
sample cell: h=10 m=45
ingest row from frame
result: h=7 m=0
